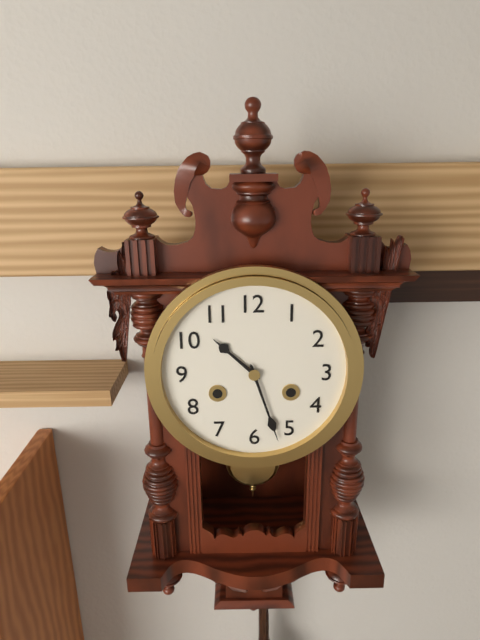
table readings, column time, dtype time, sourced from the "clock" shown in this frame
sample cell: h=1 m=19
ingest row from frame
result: h=10 m=27
